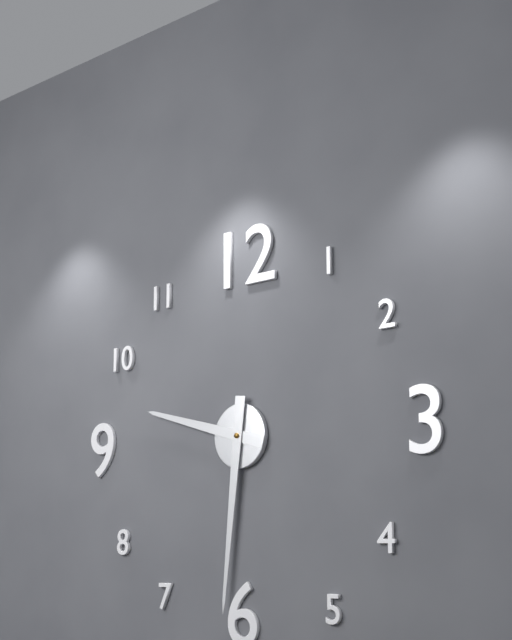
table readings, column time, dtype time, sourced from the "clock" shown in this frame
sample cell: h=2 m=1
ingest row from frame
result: h=9 m=31
